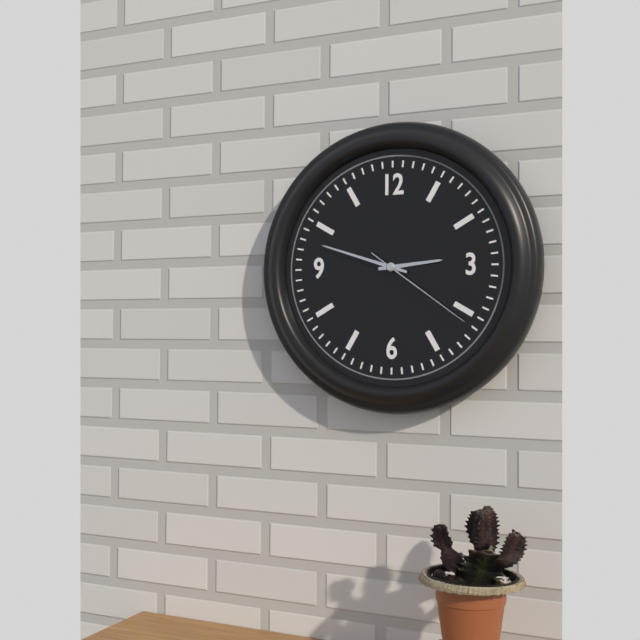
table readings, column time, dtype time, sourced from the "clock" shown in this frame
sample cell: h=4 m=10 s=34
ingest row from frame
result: h=2 m=48 s=21
